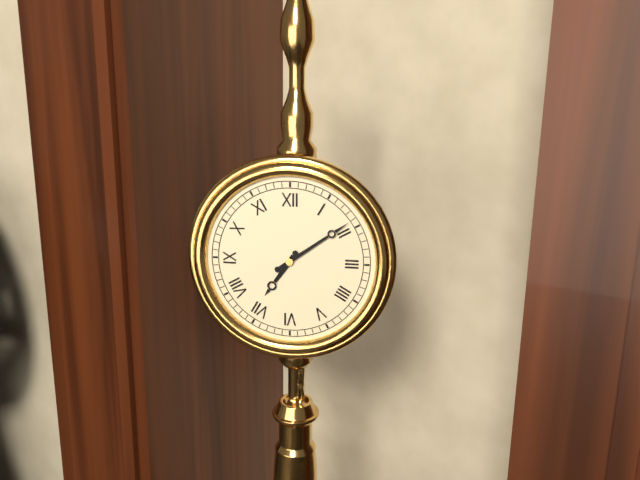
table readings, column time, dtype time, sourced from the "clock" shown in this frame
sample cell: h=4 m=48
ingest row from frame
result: h=7 m=9
